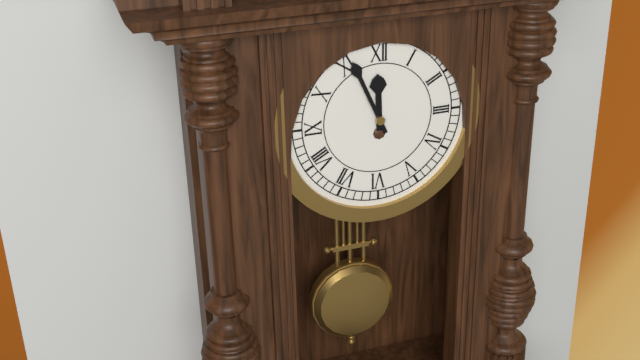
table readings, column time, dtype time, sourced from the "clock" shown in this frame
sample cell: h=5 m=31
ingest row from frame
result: h=11 m=56
